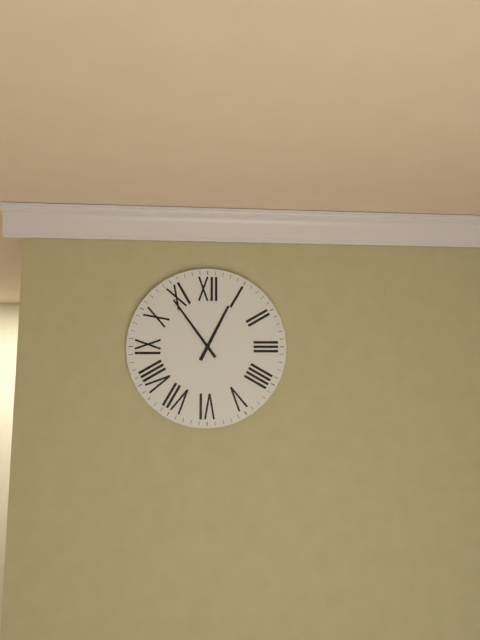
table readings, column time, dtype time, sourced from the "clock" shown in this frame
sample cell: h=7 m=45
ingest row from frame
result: h=12 m=54
